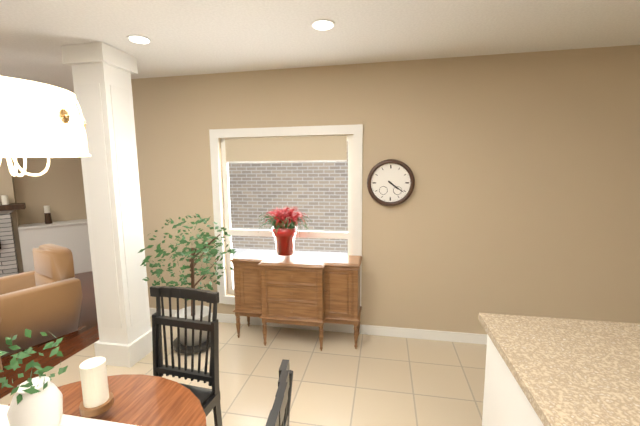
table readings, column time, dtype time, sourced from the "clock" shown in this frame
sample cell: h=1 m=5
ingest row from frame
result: h=4 m=21
